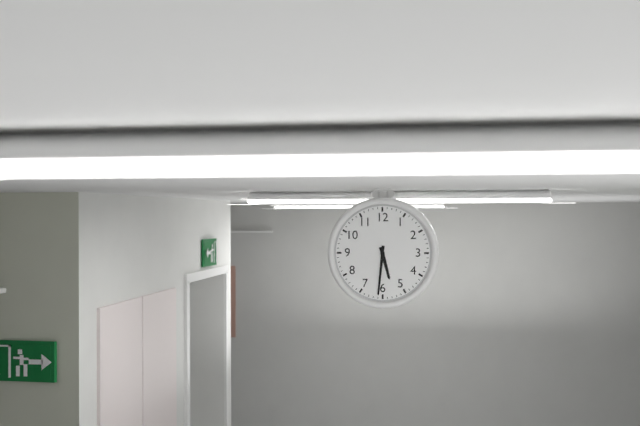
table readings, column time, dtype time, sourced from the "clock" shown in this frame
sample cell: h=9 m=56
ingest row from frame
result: h=5 m=31
